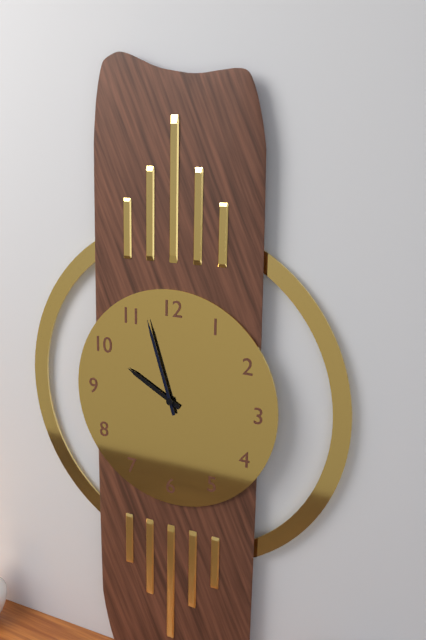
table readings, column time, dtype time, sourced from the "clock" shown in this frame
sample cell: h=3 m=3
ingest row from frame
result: h=9 m=57
